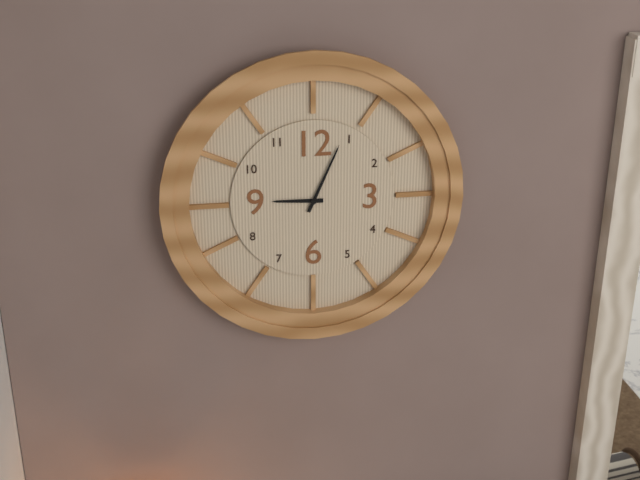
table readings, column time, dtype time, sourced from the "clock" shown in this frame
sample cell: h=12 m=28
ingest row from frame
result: h=9 m=4
